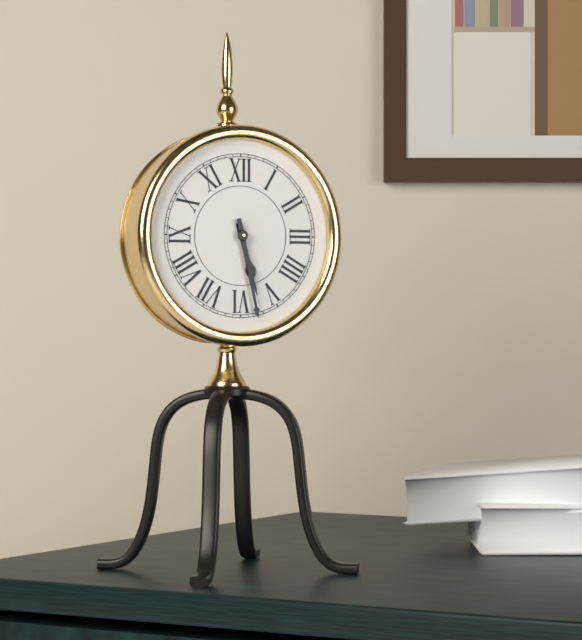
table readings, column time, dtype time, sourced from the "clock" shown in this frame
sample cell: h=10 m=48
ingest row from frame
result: h=5 m=28
